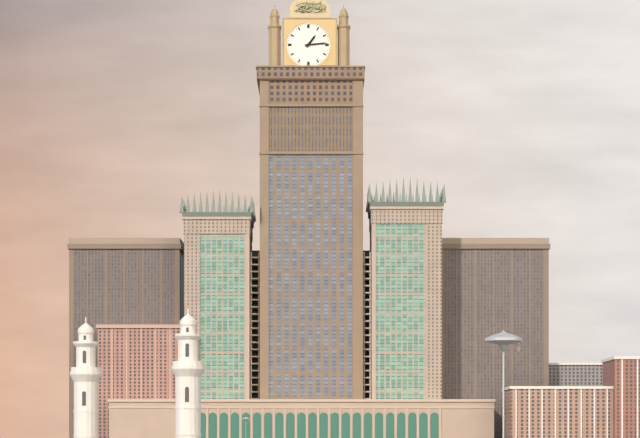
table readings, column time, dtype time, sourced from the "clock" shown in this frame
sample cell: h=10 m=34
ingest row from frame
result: h=1 m=14
